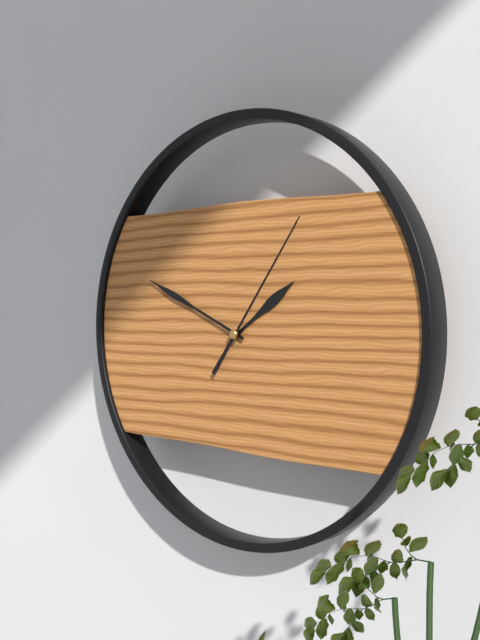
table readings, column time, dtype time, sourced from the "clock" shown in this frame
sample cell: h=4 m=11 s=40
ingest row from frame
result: h=1 m=49 s=6
